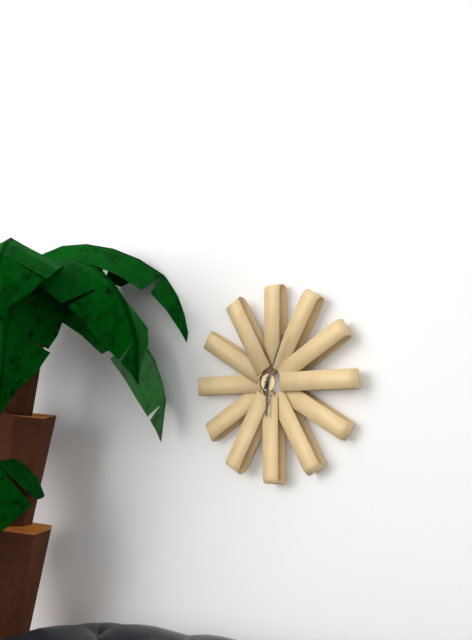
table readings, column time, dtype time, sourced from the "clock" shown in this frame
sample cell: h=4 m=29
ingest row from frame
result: h=6 m=4
